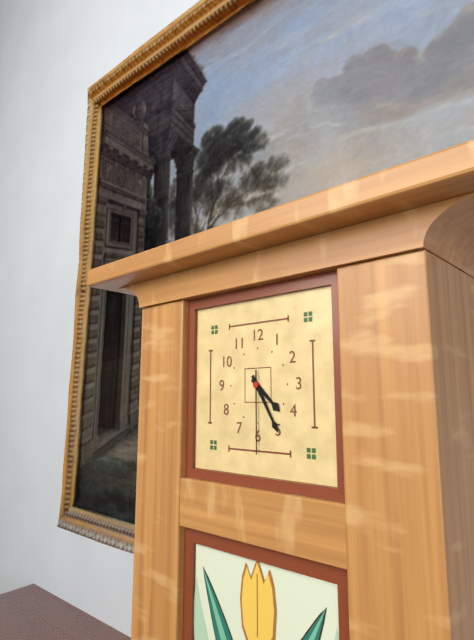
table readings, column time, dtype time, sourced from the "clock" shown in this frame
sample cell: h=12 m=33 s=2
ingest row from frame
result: h=4 m=25 s=30
